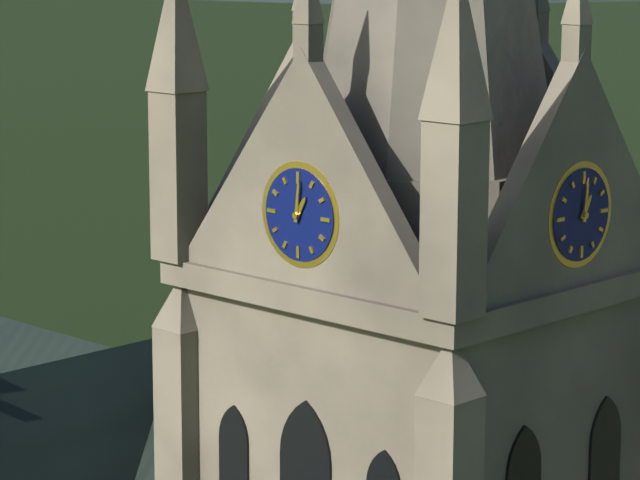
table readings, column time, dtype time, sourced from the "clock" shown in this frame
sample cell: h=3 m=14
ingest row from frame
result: h=1 m=1
